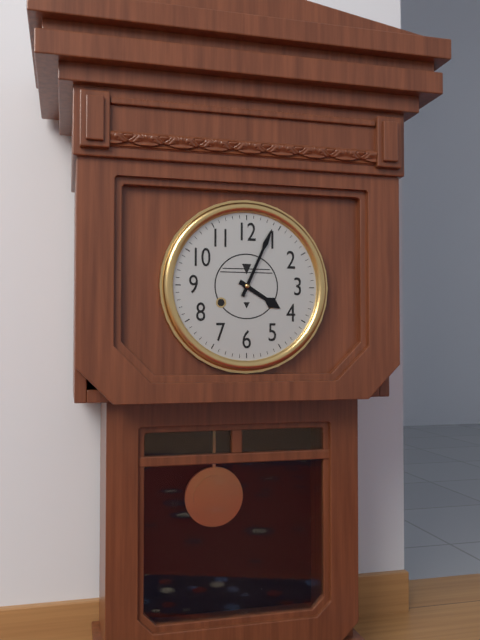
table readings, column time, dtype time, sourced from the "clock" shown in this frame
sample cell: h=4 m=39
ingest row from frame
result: h=4 m=4
